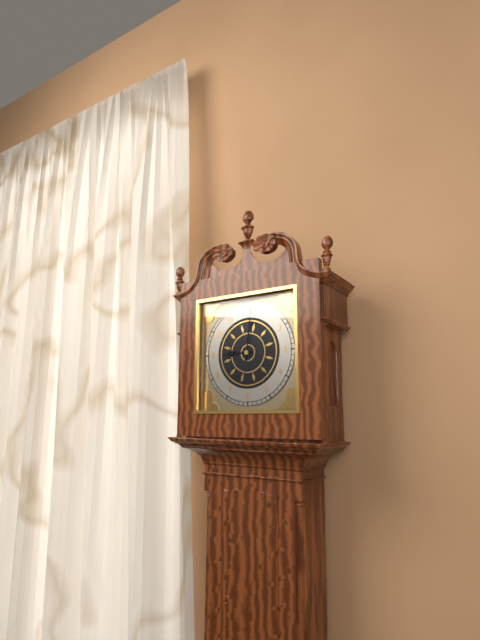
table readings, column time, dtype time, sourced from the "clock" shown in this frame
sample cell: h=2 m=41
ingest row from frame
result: h=9 m=1
